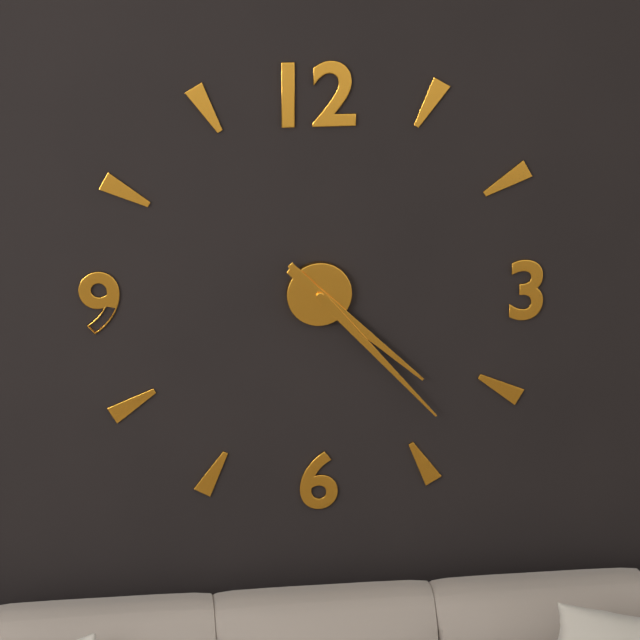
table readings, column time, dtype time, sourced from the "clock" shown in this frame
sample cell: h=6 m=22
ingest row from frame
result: h=4 m=23
